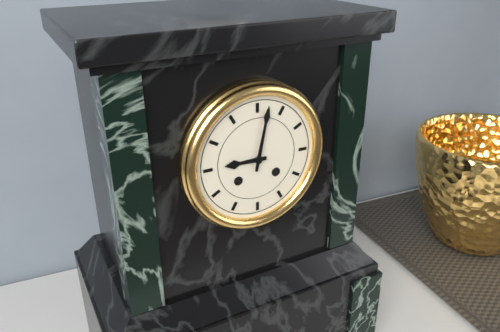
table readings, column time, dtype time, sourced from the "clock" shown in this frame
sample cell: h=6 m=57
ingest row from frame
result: h=9 m=2
